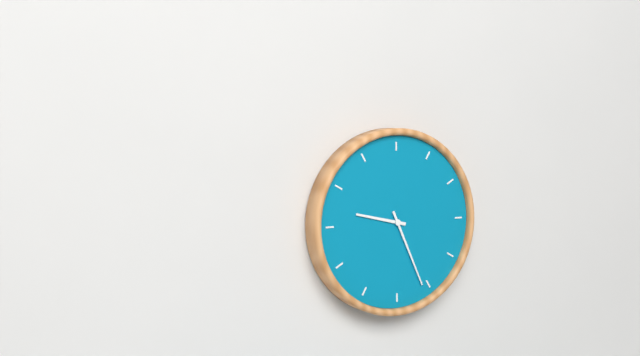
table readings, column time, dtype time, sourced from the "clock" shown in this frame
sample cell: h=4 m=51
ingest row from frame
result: h=9 m=26
